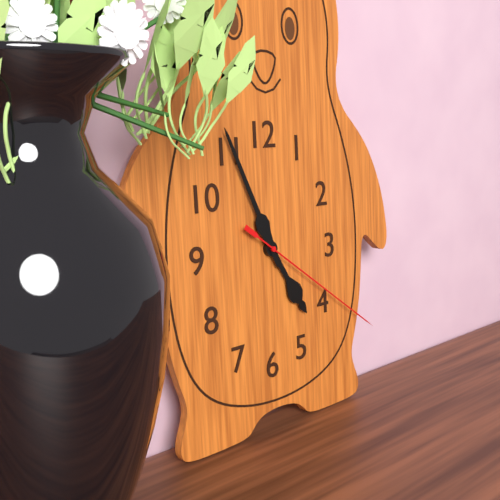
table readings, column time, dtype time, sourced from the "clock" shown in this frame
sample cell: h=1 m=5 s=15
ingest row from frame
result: h=4 m=56 s=21
